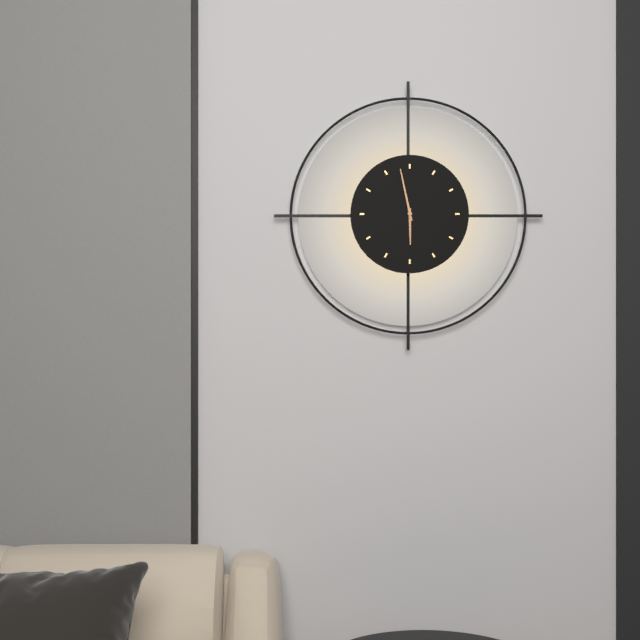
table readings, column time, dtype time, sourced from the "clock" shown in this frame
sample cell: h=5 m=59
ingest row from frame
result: h=5 m=58
